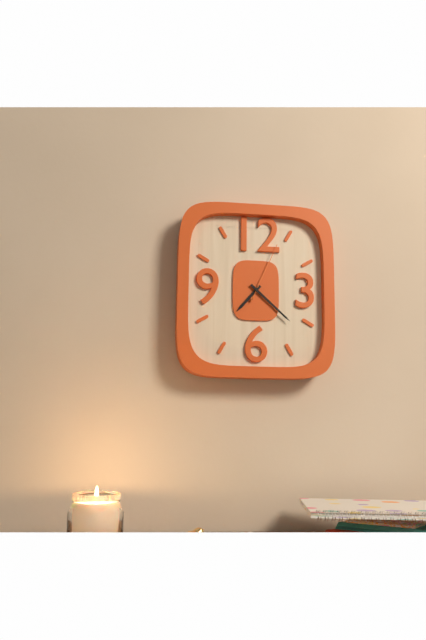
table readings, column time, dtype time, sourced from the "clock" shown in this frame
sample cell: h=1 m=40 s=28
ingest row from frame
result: h=7 m=22 s=4
